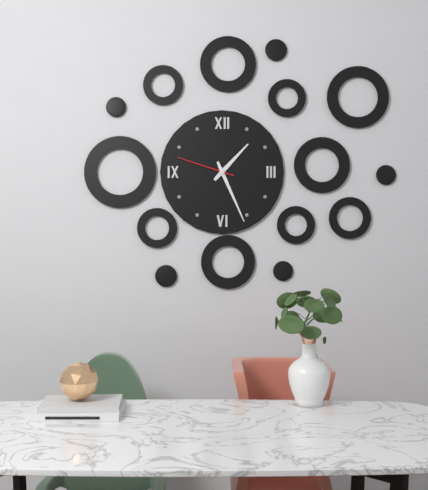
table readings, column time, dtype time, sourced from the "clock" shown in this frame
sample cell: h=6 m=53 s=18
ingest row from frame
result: h=1 m=26 s=48
